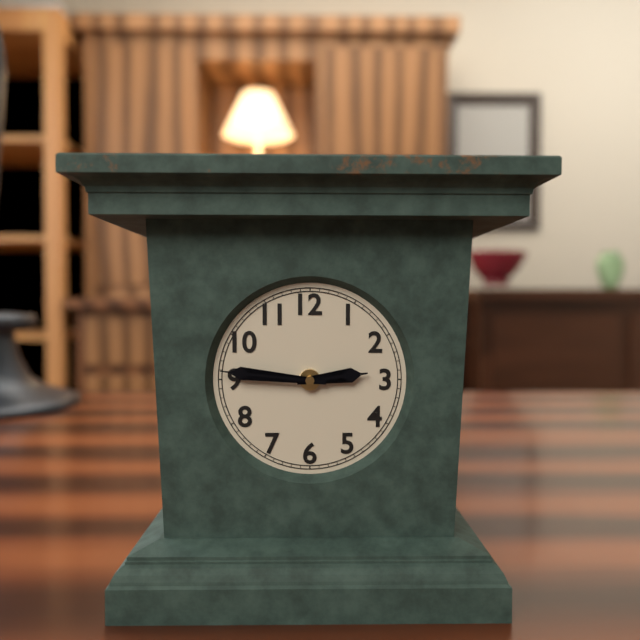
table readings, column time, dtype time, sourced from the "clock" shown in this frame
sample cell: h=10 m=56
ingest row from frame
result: h=2 m=46
